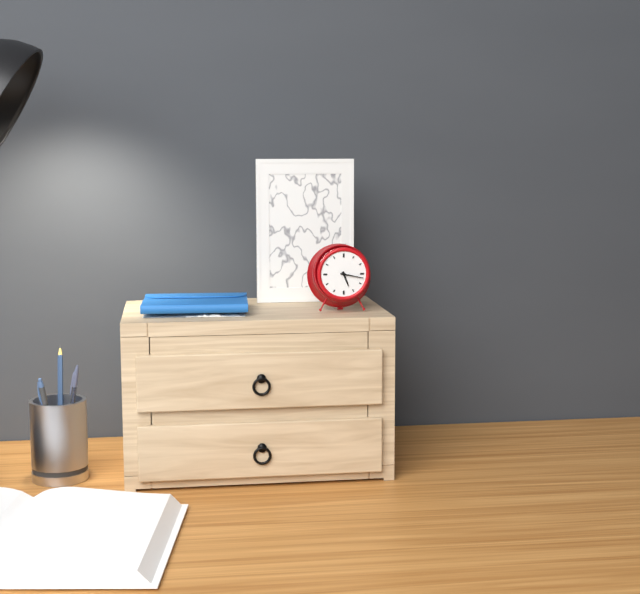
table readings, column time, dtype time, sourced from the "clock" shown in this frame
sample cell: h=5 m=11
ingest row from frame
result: h=5 m=17
